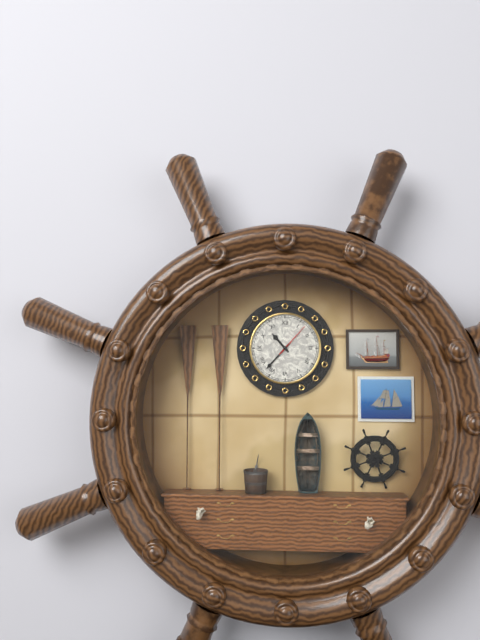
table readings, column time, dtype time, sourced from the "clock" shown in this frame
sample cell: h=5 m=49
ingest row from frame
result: h=10 m=37
